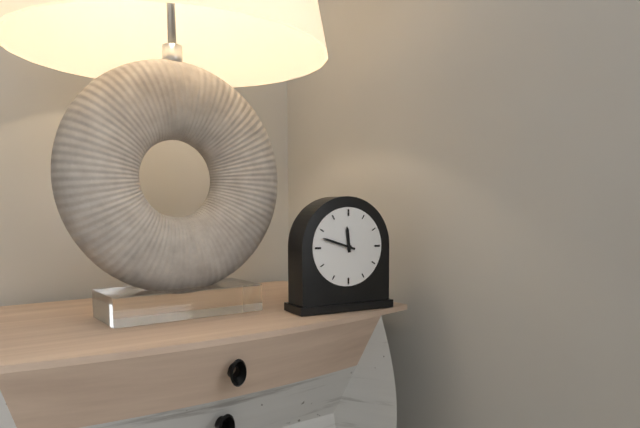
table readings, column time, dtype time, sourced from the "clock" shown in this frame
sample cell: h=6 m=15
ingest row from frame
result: h=11 m=48
